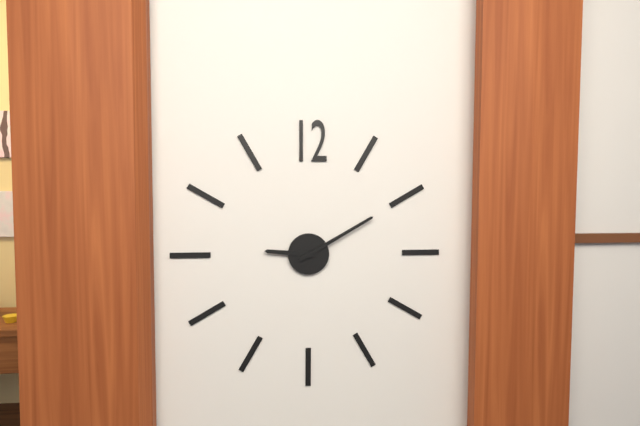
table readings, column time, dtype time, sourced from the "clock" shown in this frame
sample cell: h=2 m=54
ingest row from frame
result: h=9 m=10
